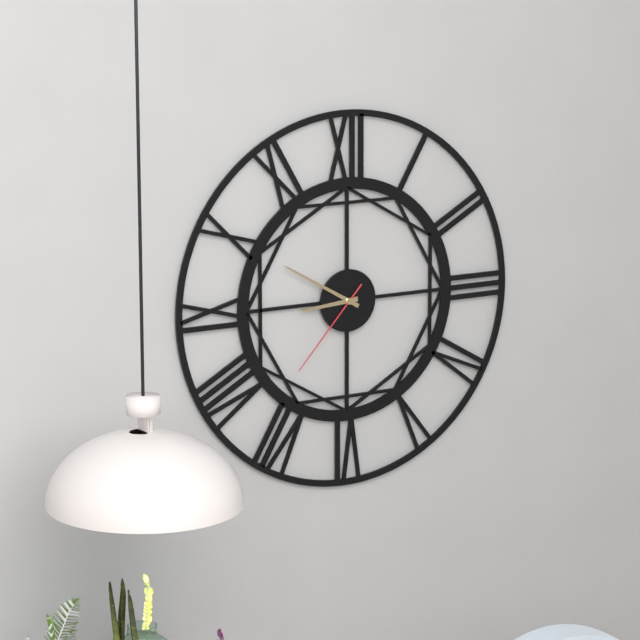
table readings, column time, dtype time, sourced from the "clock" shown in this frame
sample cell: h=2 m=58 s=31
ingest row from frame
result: h=8 m=50 s=37
